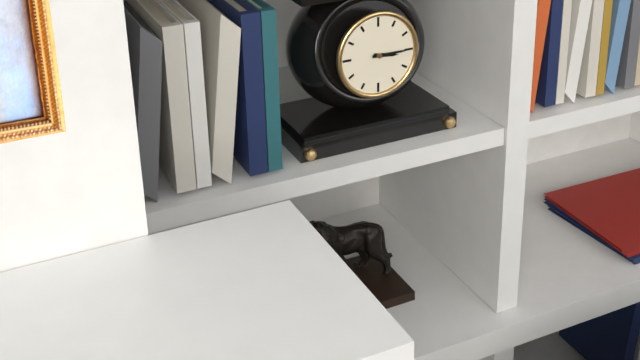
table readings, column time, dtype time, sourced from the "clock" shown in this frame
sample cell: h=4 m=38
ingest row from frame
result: h=3 m=15
